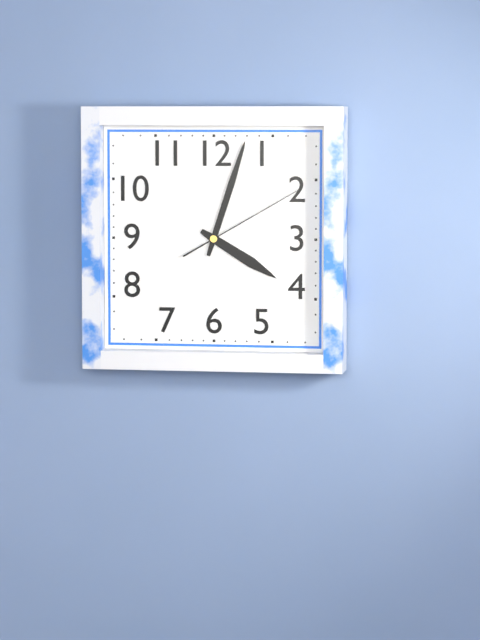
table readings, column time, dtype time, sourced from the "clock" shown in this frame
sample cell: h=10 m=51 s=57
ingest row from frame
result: h=4 m=3 s=10
